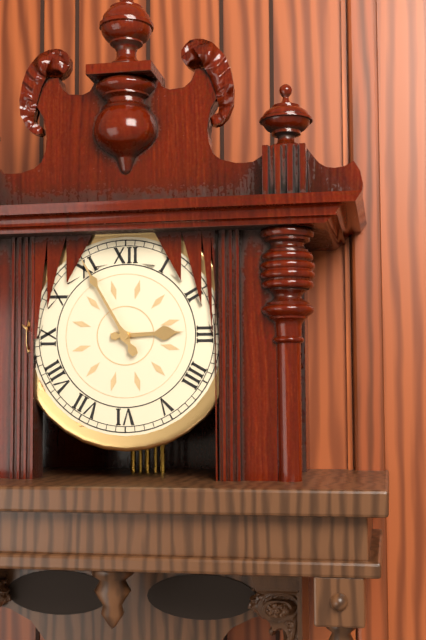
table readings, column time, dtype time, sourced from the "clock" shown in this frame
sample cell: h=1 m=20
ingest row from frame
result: h=2 m=55
